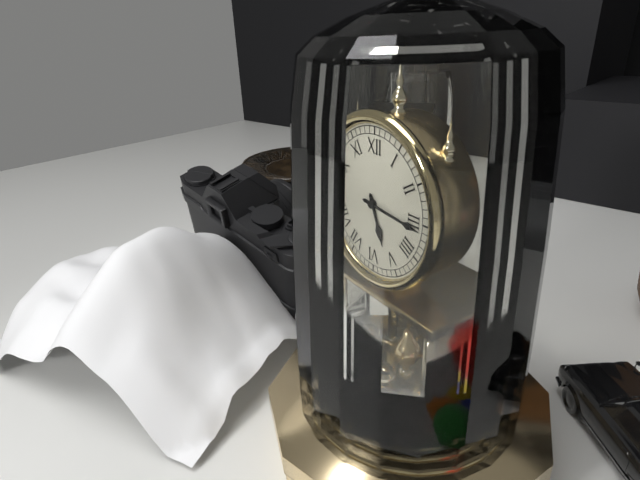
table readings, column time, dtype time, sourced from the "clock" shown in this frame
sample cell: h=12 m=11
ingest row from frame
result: h=5 m=16
